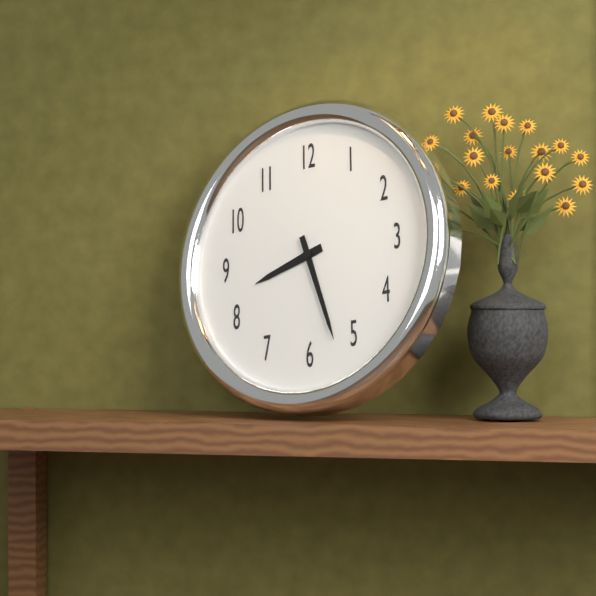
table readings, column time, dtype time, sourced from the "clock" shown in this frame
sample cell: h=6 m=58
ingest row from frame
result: h=8 m=27
